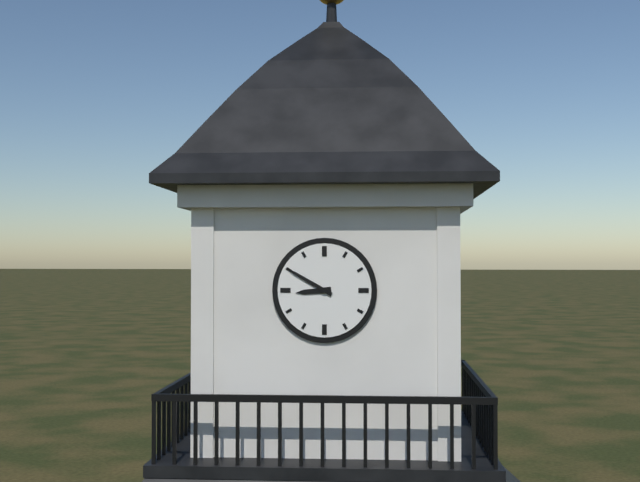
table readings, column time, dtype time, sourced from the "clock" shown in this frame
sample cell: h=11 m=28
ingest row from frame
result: h=8 m=50
